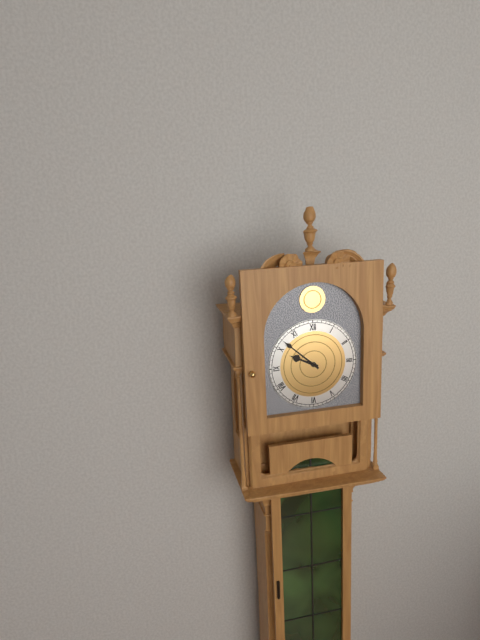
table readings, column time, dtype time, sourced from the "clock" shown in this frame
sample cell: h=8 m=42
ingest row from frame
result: h=9 m=52
